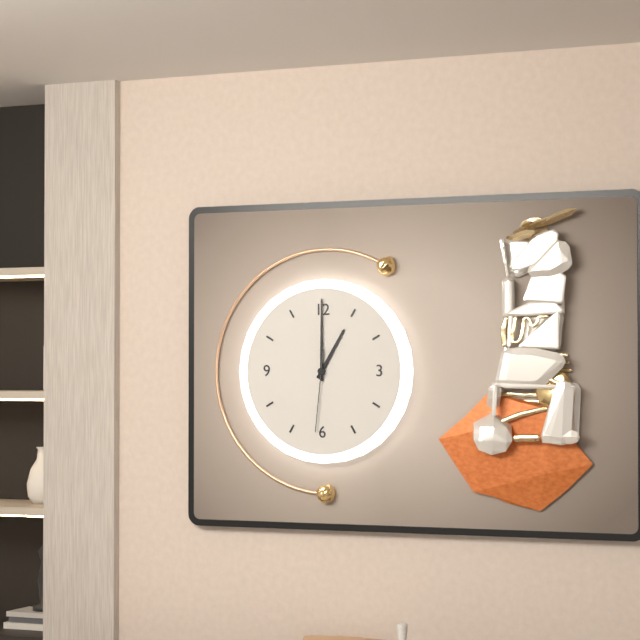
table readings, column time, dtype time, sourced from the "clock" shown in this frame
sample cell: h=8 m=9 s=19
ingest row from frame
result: h=1 m=0 s=31
